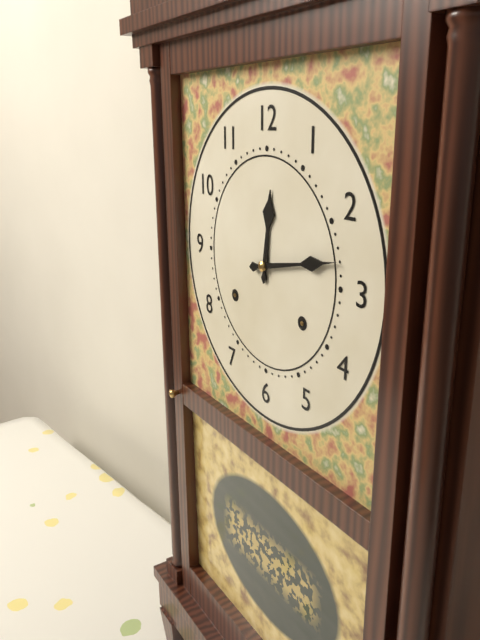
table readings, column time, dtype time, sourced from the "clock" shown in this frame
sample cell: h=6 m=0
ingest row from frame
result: h=12 m=13
